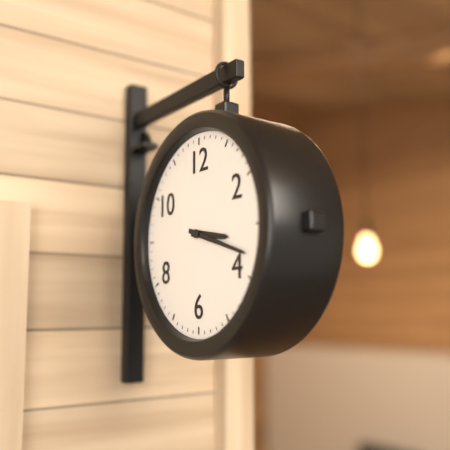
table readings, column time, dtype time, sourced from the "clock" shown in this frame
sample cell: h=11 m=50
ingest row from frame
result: h=3 m=18
